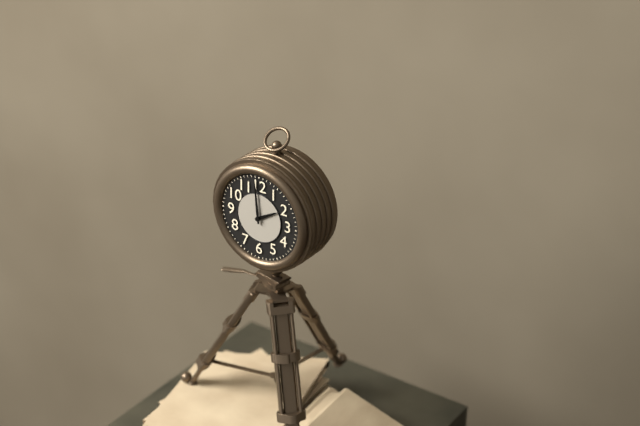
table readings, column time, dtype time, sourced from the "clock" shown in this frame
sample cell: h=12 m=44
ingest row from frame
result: h=1 m=59
